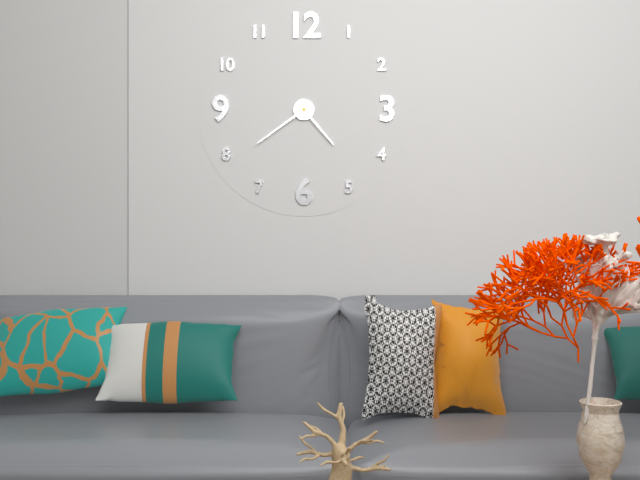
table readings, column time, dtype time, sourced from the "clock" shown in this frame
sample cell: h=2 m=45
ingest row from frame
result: h=4 m=39
